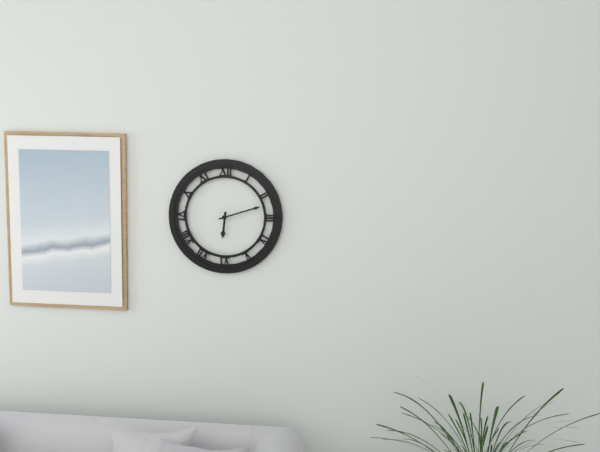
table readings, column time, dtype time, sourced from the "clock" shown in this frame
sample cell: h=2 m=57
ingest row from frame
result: h=6 m=12
